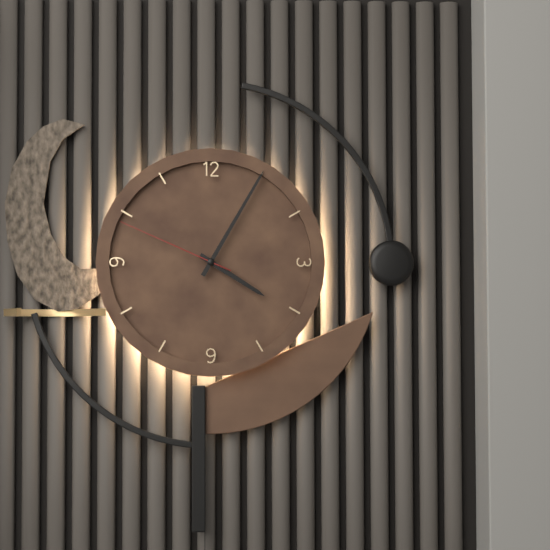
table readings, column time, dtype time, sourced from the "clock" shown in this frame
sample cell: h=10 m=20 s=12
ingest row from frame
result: h=4 m=5 s=49
